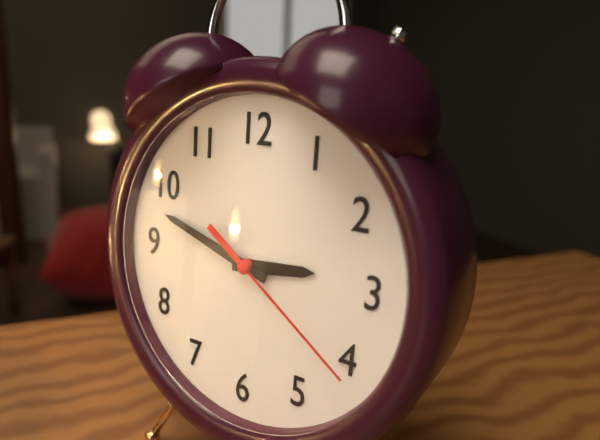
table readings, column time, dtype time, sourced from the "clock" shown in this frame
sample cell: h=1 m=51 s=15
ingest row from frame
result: h=2 m=48 s=21
